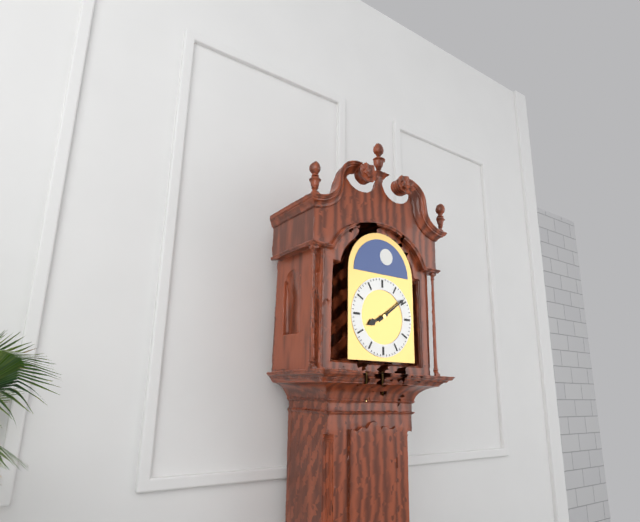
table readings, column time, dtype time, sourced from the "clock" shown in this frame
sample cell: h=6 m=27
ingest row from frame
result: h=8 m=9
